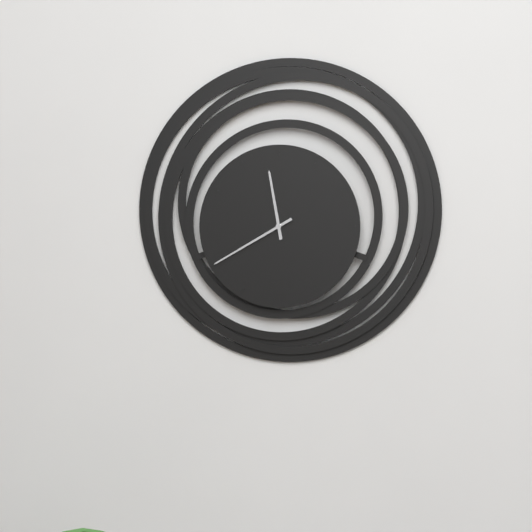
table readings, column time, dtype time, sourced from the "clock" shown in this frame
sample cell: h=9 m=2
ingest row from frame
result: h=11 m=40
